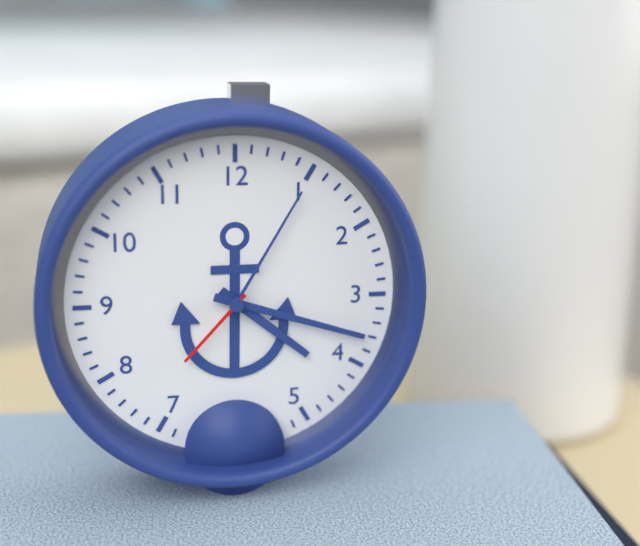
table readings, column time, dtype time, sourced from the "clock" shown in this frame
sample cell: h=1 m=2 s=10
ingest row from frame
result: h=4 m=18 s=37
